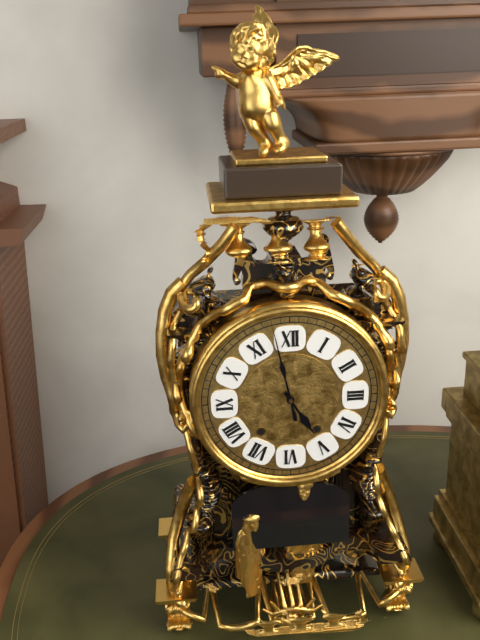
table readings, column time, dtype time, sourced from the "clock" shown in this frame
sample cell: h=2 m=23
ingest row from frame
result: h=4 m=58
